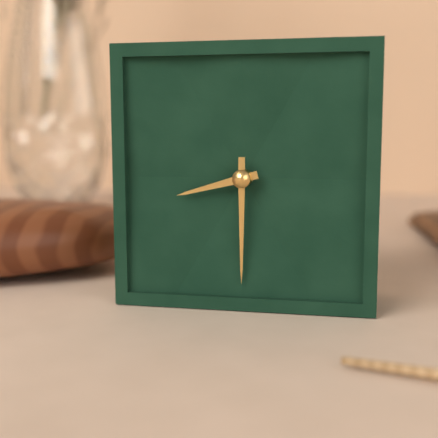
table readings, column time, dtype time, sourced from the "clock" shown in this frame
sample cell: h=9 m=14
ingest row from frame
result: h=8 m=30
